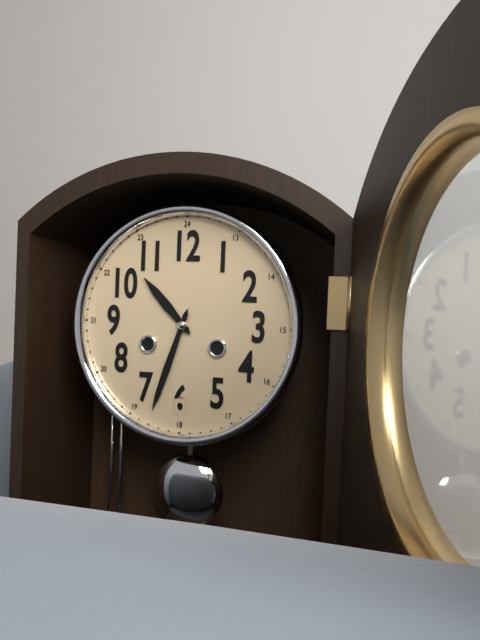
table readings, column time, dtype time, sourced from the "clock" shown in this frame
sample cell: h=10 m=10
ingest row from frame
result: h=10 m=33
